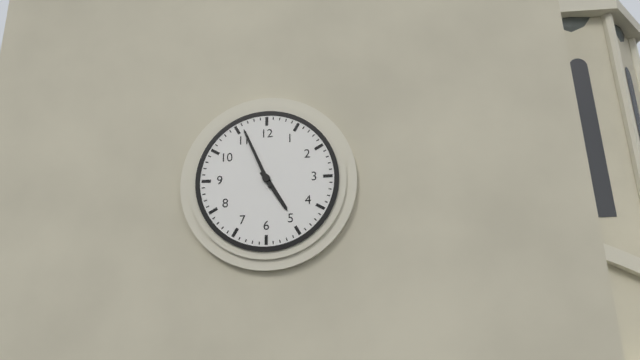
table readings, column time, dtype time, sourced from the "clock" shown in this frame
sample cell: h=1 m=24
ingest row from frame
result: h=4 m=56
